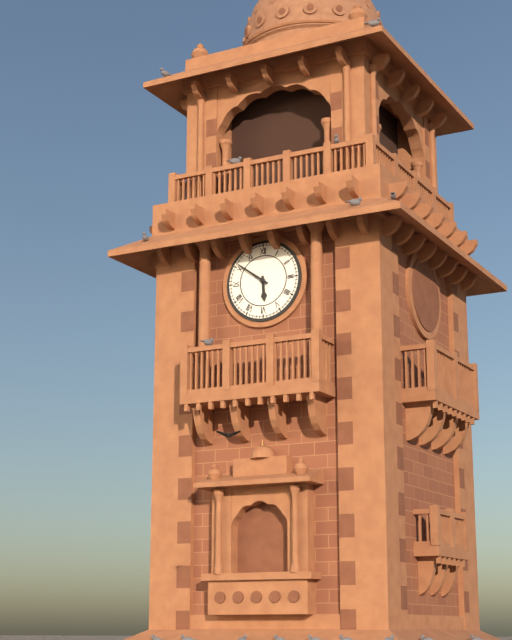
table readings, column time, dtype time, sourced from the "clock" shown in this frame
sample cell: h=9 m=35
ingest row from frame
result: h=5 m=51
